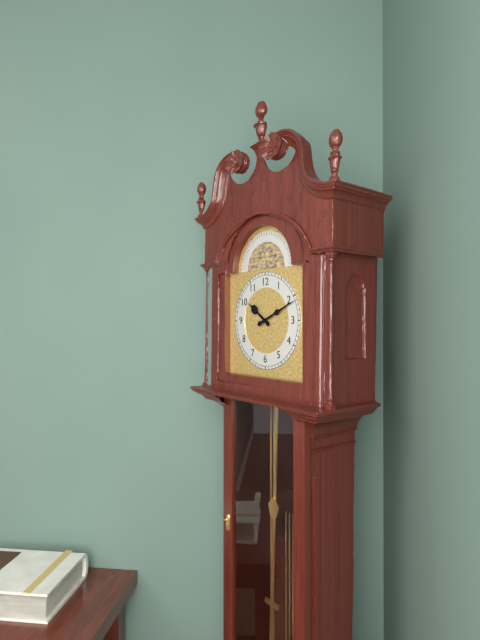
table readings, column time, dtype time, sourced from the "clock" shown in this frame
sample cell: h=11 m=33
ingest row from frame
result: h=10 m=11
